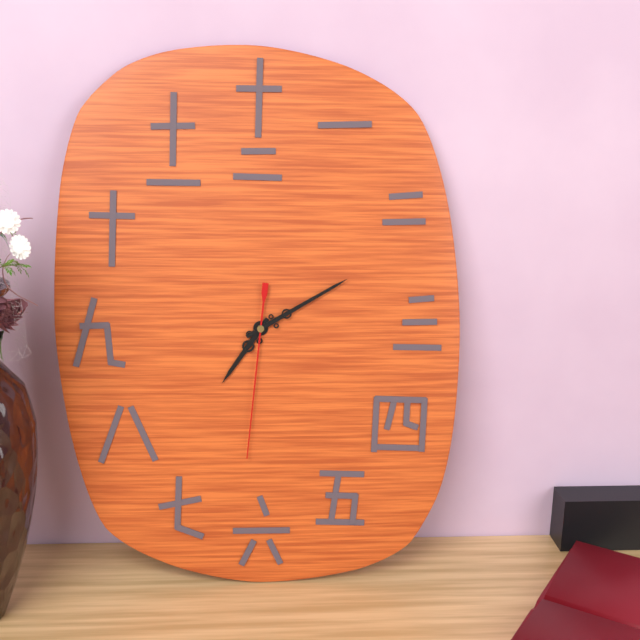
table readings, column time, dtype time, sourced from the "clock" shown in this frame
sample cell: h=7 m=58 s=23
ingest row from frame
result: h=7 m=10 s=31
